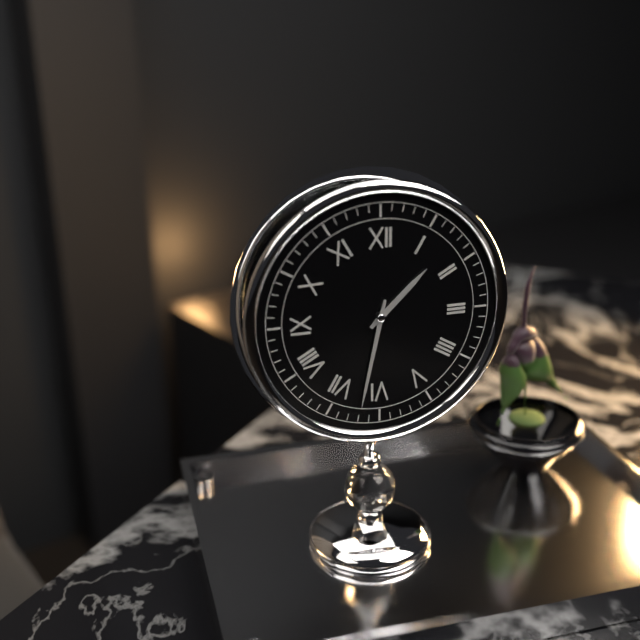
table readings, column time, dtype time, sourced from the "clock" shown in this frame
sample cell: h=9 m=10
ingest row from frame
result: h=1 m=32
